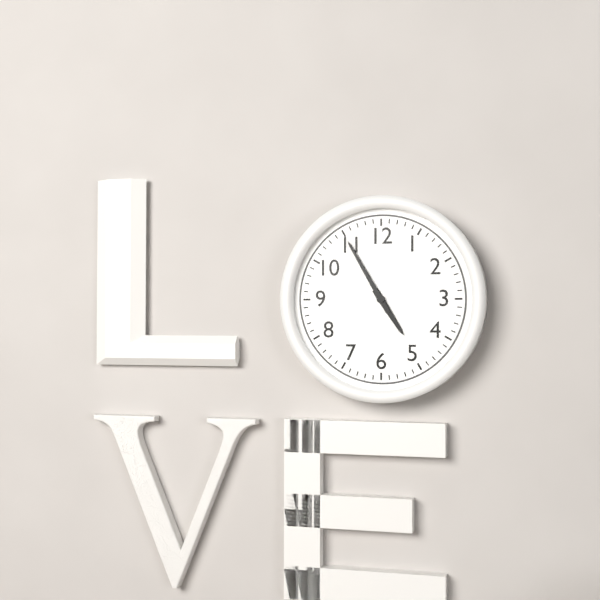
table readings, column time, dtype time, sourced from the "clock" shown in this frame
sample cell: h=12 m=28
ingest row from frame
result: h=4 m=55
